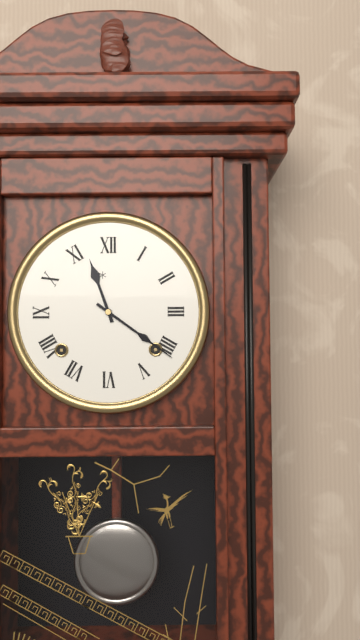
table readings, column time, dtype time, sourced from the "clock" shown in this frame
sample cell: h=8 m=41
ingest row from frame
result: h=11 m=21
